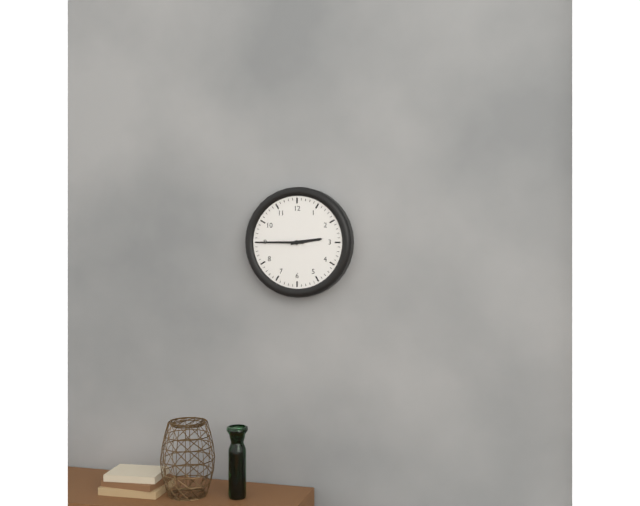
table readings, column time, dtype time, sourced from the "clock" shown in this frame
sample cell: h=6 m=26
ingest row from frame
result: h=2 m=45
